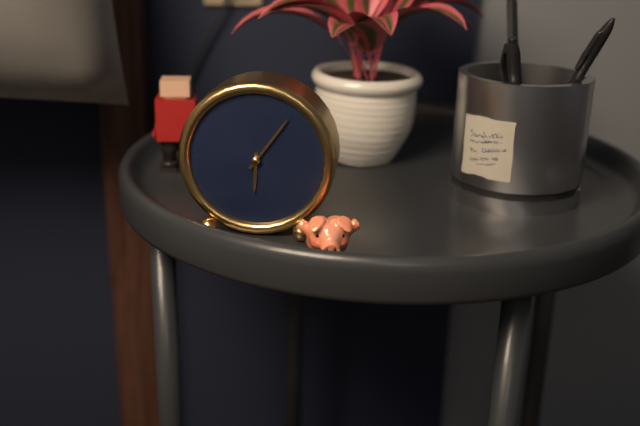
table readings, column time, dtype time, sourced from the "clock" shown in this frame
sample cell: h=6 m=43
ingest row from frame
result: h=6 m=6
